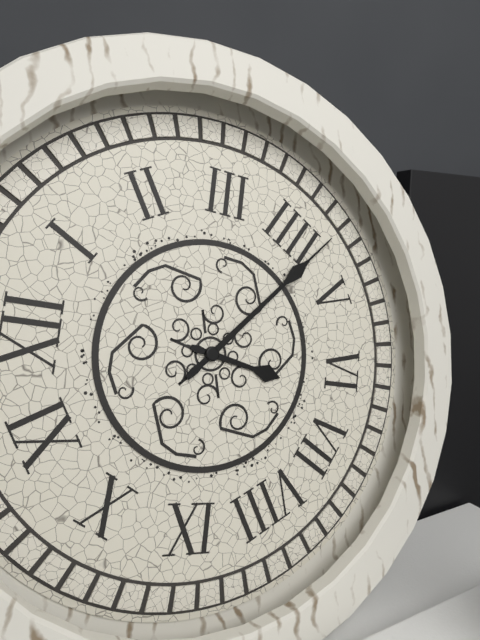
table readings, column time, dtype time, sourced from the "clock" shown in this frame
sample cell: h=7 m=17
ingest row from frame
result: h=6 m=22
